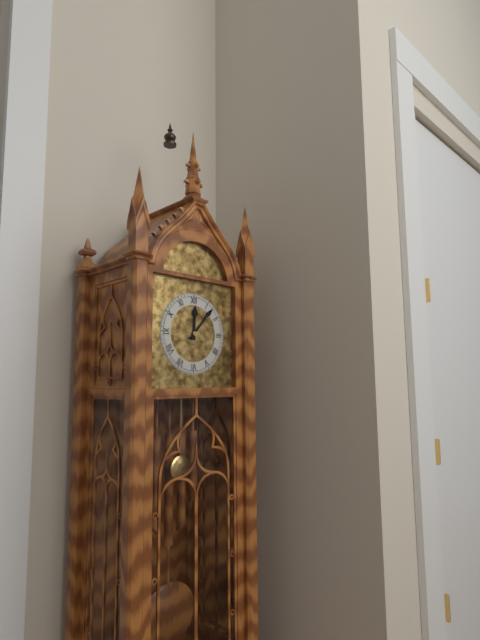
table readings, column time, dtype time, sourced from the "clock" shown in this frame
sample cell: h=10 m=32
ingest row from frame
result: h=12 m=7
